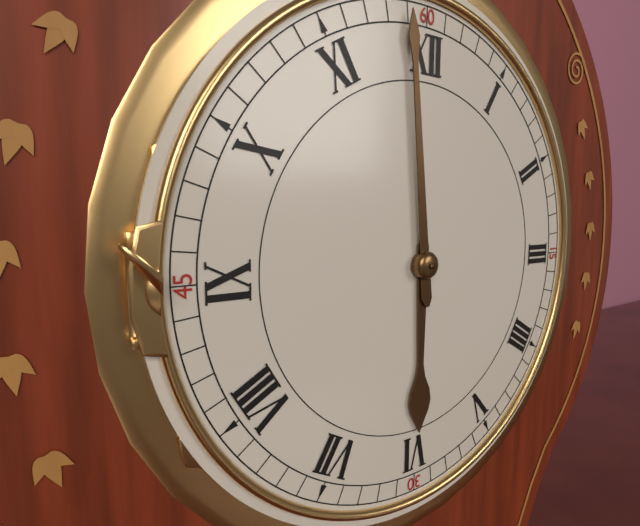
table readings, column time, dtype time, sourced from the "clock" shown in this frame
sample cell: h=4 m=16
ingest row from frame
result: h=5 m=59
